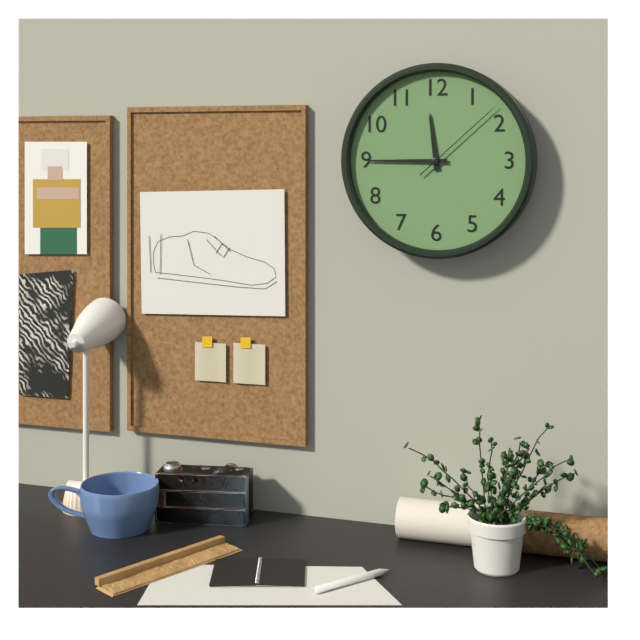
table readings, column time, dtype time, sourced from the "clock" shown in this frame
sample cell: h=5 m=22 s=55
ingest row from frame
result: h=11 m=45 s=8
